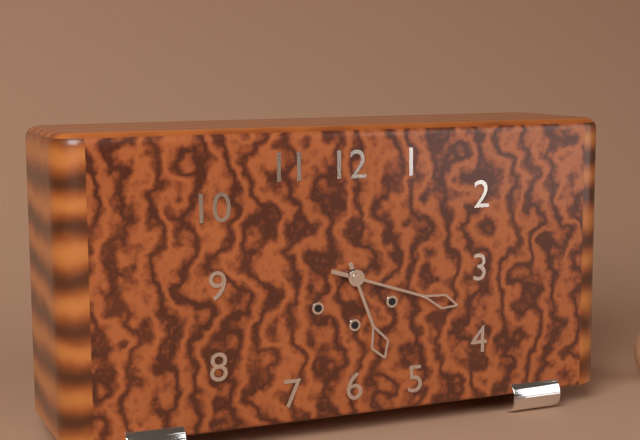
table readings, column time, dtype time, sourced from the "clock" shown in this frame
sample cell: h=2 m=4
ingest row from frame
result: h=5 m=18
